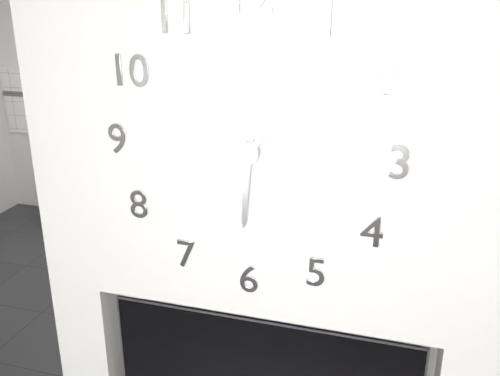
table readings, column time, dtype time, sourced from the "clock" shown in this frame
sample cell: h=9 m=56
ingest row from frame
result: h=6 m=7
